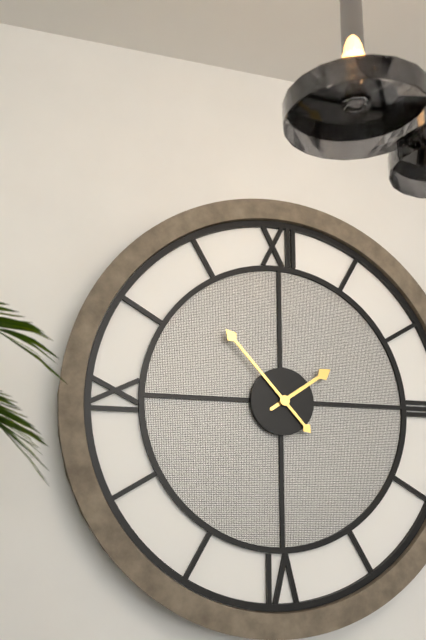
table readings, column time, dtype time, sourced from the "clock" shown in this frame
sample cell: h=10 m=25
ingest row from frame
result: h=1 m=53
